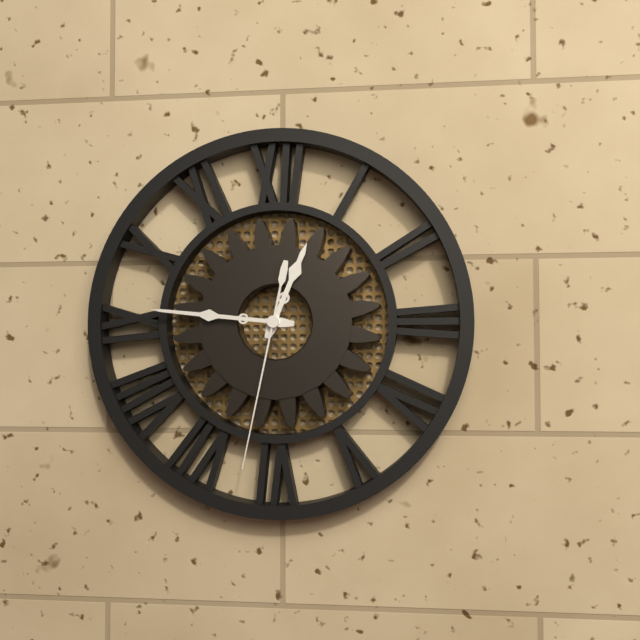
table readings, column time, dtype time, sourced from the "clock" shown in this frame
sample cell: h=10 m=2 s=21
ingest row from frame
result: h=12 m=46 s=32
